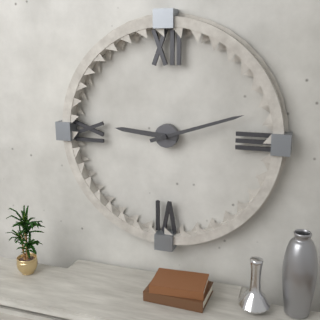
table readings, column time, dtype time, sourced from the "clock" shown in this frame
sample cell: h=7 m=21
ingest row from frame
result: h=9 m=12
